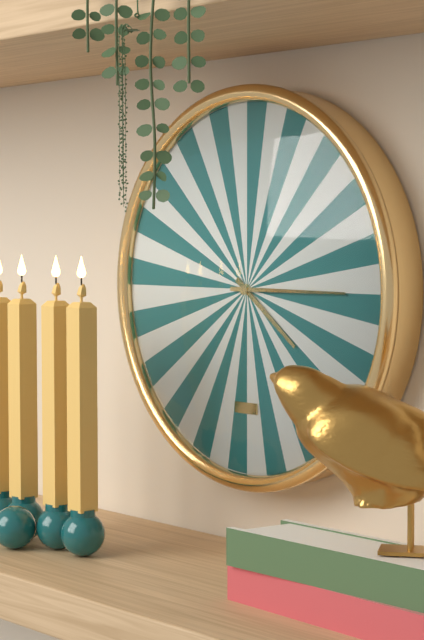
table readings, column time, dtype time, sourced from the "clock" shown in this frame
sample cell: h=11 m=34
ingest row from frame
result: h=4 m=15
